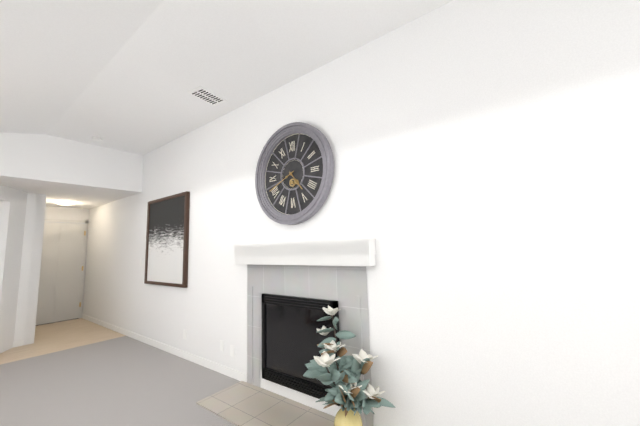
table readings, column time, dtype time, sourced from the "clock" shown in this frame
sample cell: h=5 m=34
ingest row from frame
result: h=4 m=41
